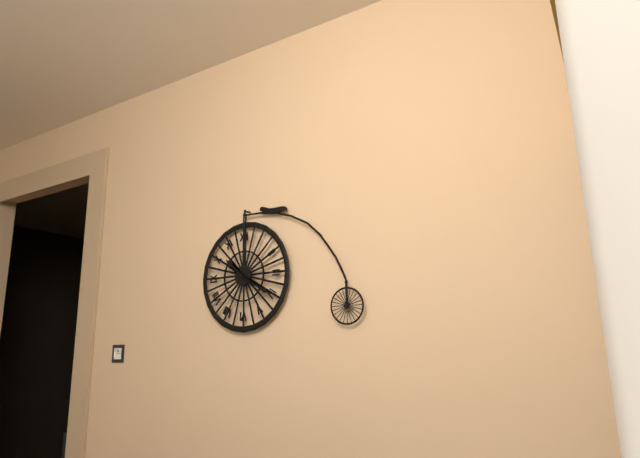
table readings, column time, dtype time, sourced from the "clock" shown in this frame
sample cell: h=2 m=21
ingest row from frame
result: h=10 m=20
